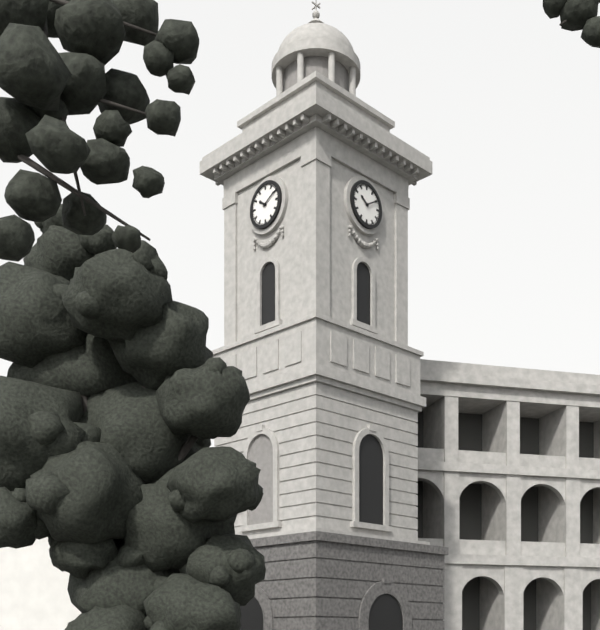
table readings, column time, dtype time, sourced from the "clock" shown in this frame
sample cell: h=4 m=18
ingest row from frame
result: h=10 m=10
